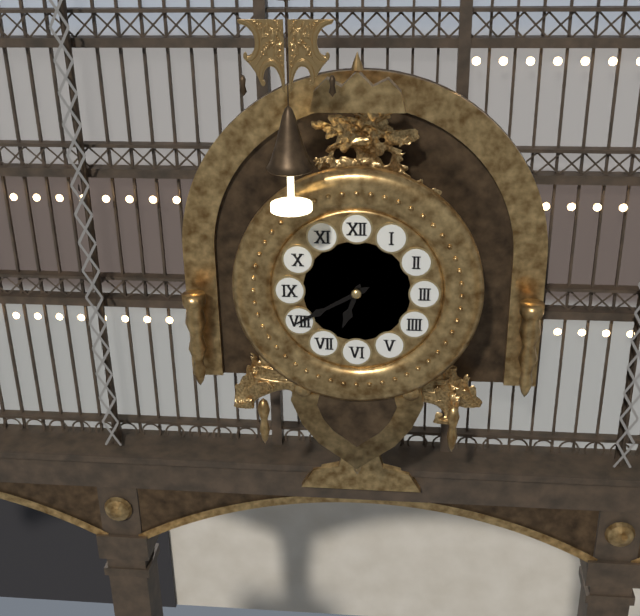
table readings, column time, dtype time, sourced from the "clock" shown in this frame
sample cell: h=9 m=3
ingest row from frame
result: h=6 m=40
